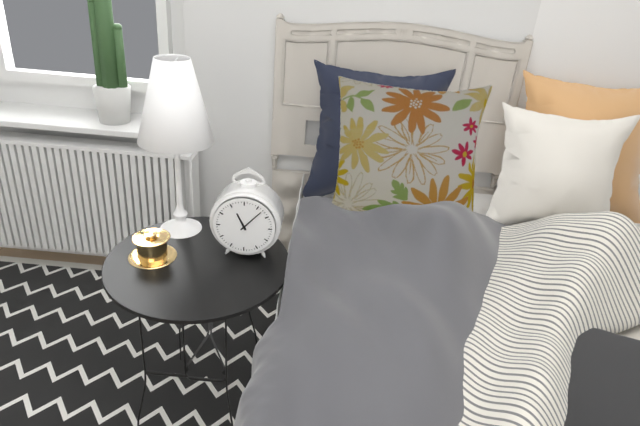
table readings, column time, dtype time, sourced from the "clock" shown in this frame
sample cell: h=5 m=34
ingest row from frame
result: h=11 m=7
